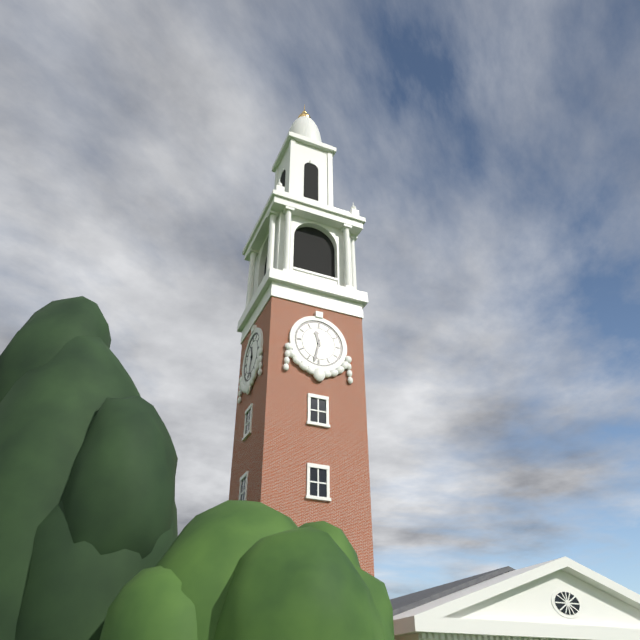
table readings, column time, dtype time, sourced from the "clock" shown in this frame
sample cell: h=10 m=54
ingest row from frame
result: h=11 m=32
